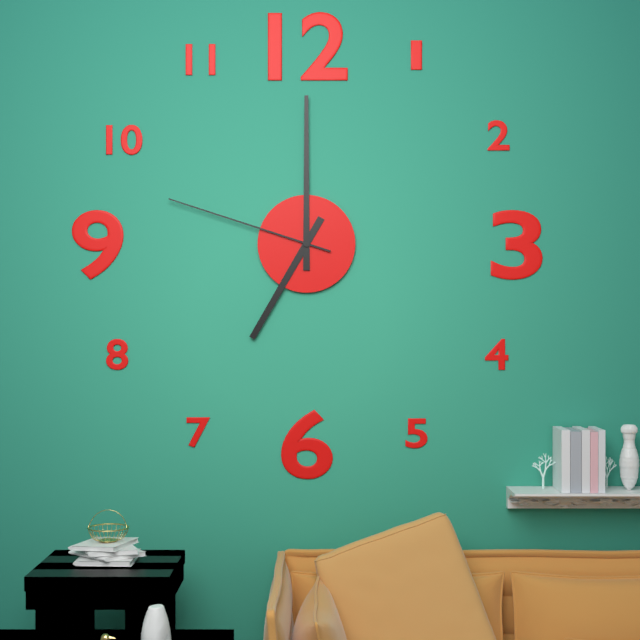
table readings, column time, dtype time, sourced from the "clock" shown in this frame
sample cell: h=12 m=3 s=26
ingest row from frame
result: h=7 m=0 s=48
